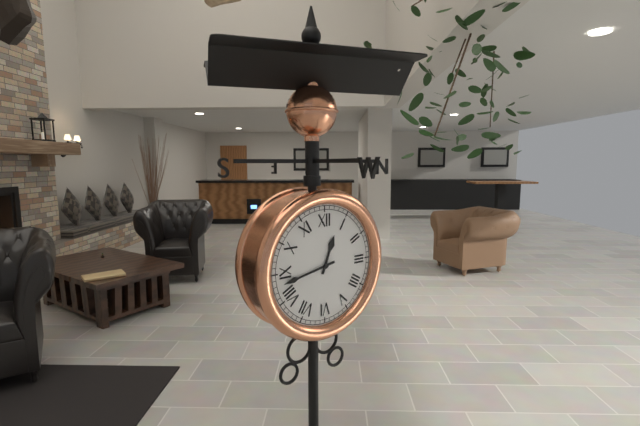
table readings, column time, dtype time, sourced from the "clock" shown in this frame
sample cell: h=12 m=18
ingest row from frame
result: h=12 m=43
